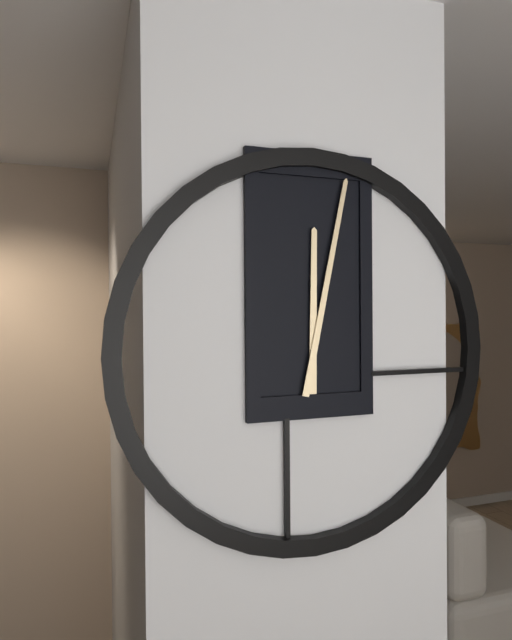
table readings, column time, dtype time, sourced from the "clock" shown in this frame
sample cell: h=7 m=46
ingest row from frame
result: h=12 m=2
